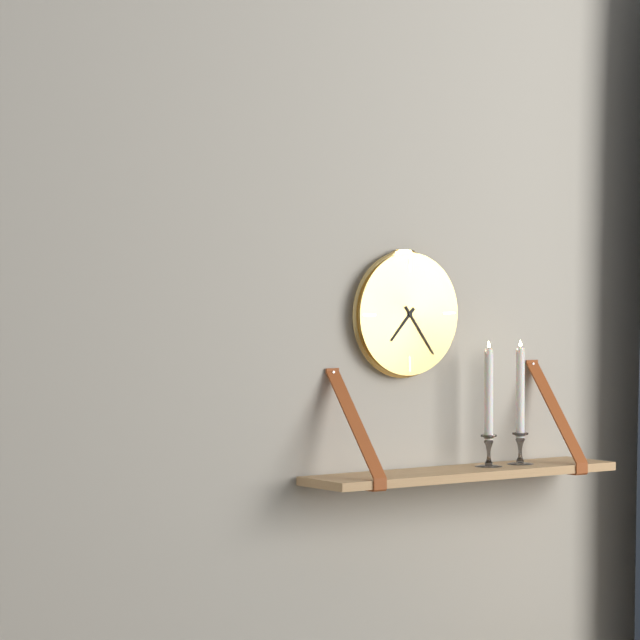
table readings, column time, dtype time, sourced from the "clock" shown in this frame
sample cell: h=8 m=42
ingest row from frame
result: h=7 m=24
